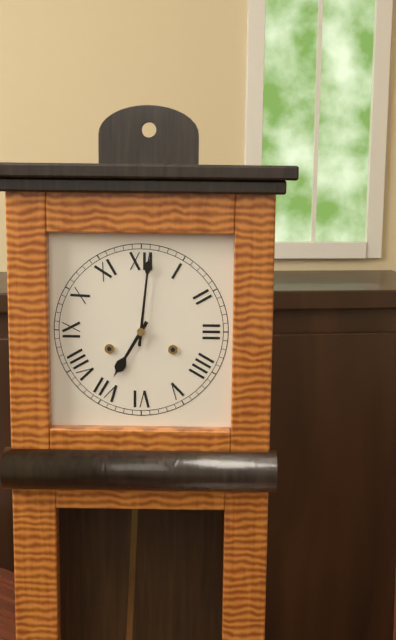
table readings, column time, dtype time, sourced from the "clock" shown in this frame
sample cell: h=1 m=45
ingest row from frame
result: h=7 m=1
